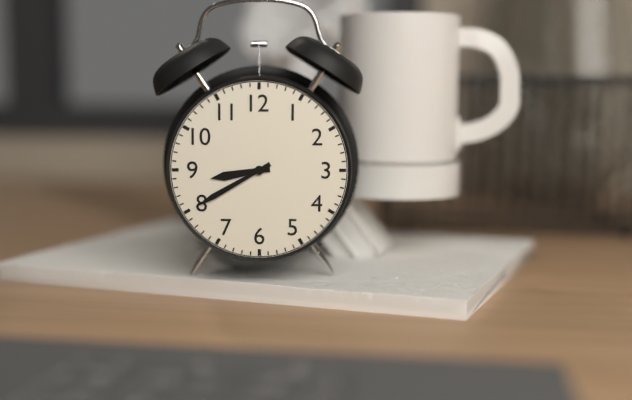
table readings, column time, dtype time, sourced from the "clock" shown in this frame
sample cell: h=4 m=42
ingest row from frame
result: h=8 m=40
